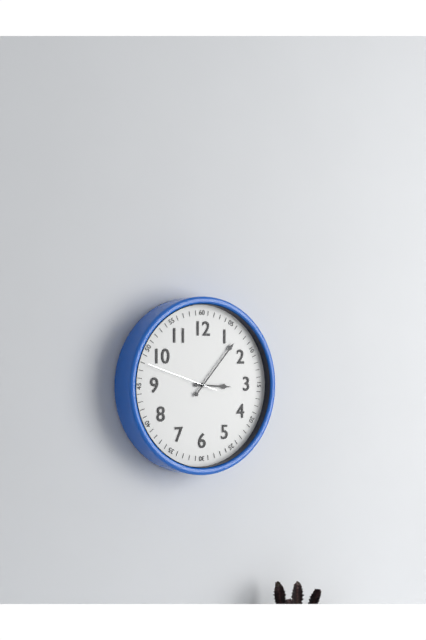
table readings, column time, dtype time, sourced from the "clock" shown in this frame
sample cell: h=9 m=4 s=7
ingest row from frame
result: h=3 m=7 s=48
